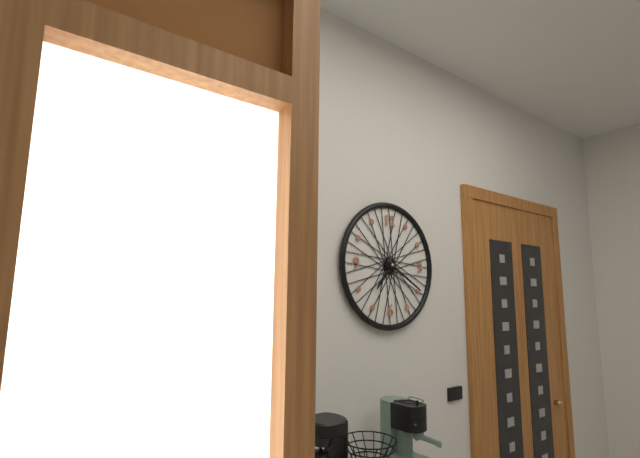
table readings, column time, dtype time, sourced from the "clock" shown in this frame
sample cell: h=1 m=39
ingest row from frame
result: h=7 m=20
